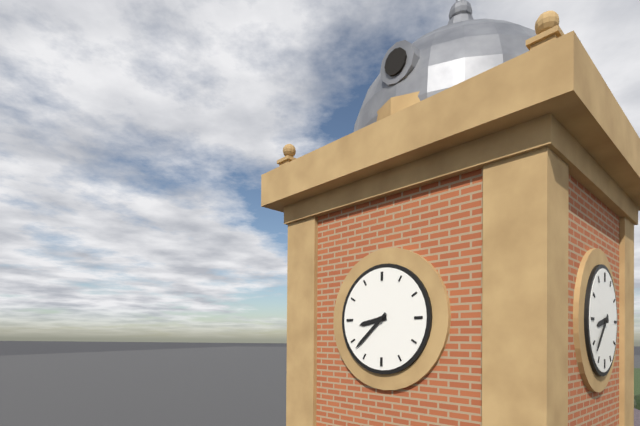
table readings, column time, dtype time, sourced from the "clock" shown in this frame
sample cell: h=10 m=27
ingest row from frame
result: h=8 m=38
